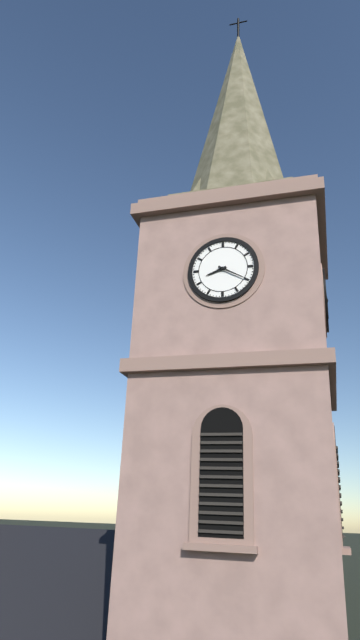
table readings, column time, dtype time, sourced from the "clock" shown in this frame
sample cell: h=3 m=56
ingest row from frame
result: h=8 m=20
